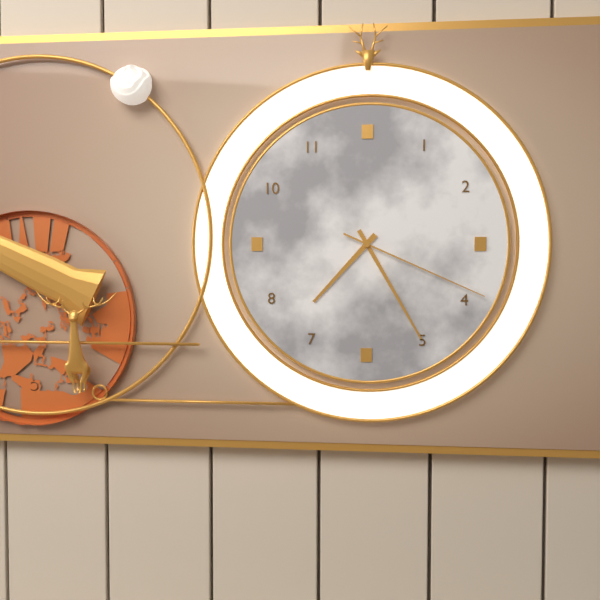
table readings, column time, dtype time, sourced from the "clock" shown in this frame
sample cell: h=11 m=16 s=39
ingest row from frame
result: h=7 m=25 s=19
